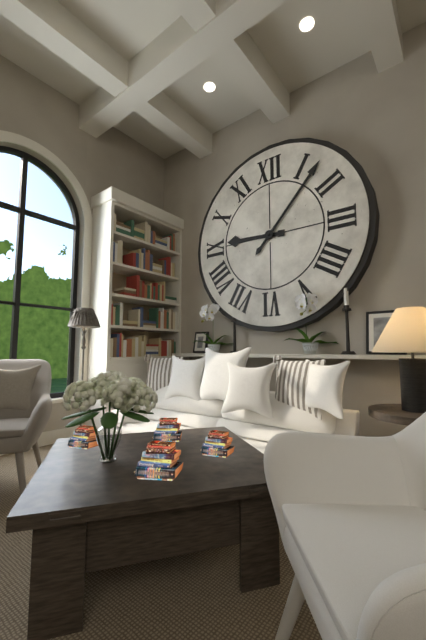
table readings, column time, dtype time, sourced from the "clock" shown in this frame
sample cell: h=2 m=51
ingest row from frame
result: h=9 m=7
